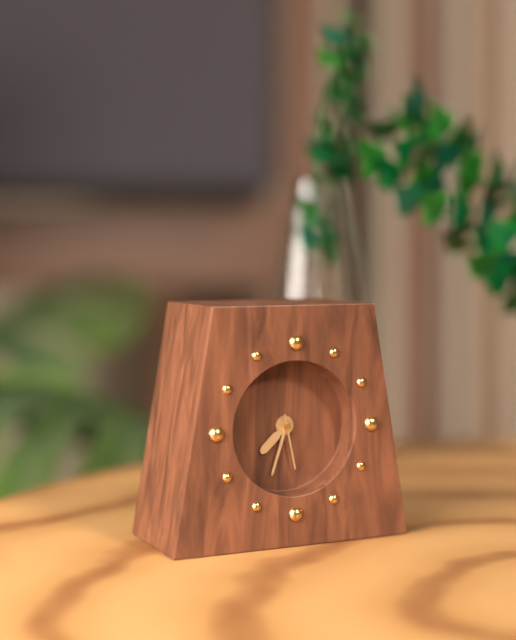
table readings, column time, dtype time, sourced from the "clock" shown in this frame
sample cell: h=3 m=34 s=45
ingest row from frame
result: h=7 m=33 s=28
